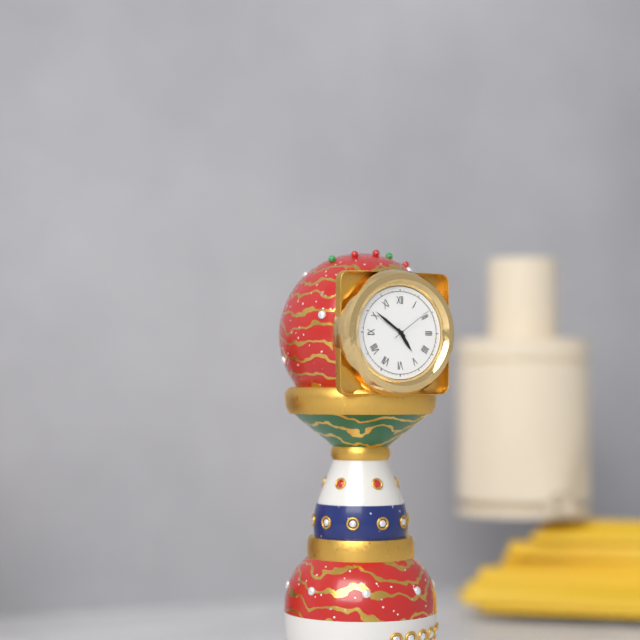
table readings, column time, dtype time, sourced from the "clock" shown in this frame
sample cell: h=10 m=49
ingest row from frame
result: h=4 m=51
